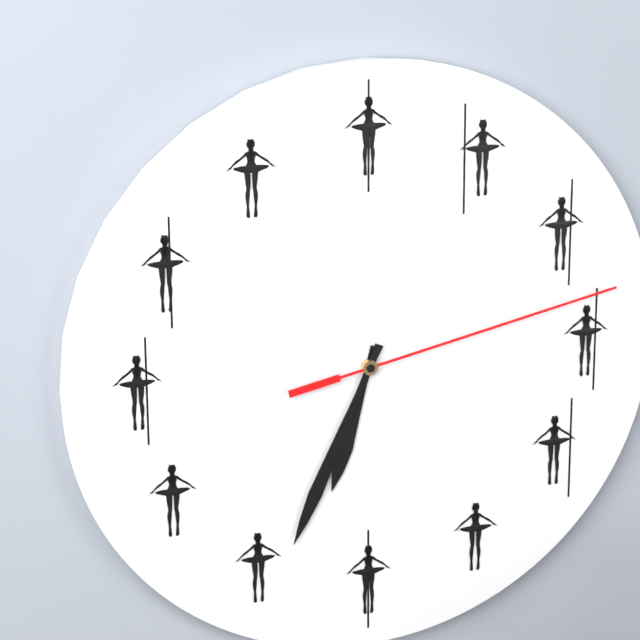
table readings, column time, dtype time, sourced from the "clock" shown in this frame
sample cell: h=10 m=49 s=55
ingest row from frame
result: h=6 m=34 s=13
